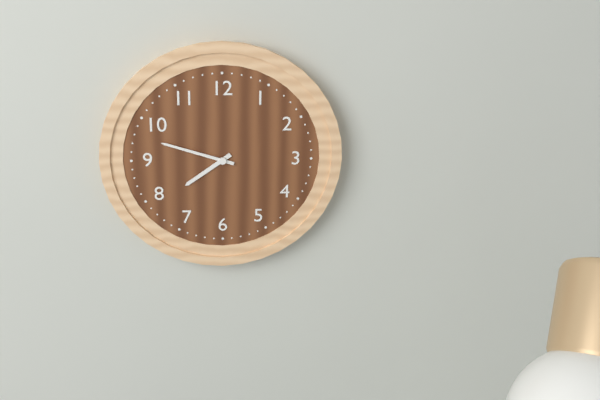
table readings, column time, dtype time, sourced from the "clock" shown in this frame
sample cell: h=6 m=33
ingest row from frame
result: h=7 m=48
